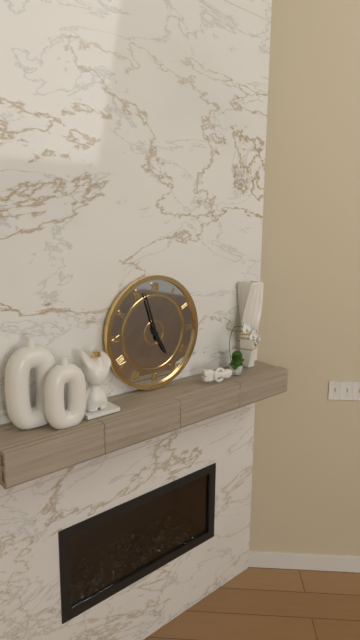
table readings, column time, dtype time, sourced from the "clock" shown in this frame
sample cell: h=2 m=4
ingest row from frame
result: h=4 m=57
